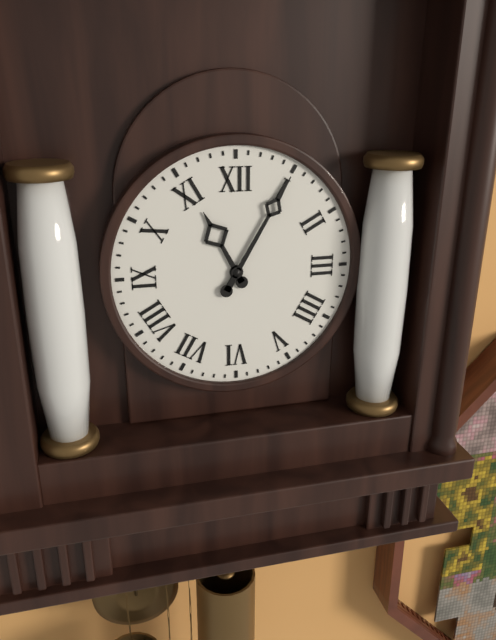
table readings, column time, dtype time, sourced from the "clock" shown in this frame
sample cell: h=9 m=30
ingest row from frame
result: h=11 m=5
